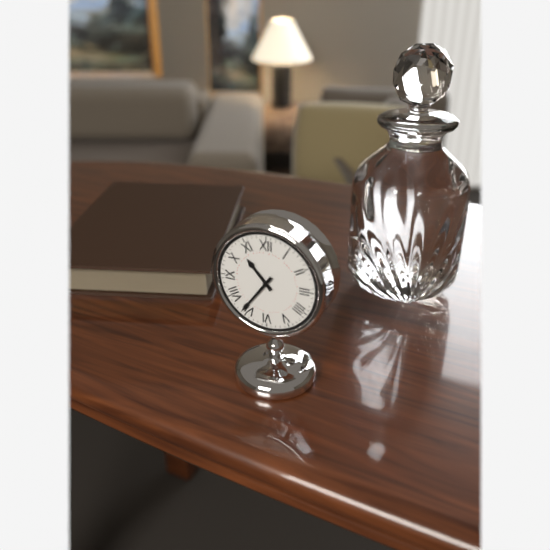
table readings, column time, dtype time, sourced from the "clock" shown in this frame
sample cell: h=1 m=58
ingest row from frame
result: h=10 m=36
